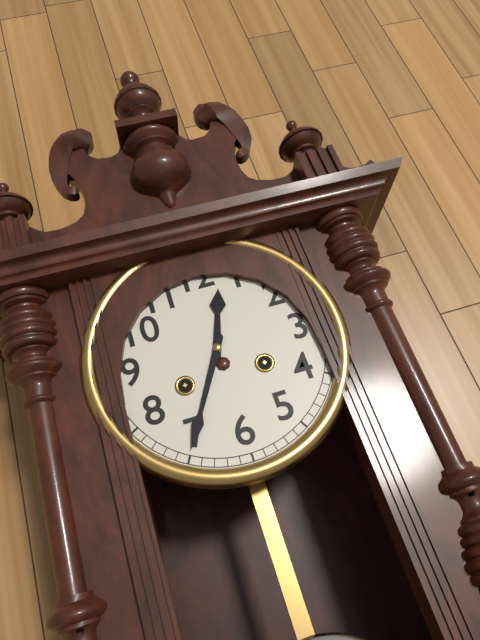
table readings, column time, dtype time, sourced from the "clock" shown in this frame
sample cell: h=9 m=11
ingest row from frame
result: h=12 m=35
